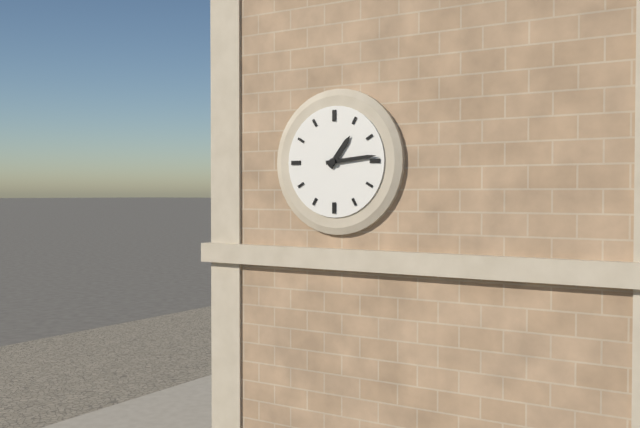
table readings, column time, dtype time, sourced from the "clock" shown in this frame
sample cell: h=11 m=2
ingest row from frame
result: h=1 m=14
